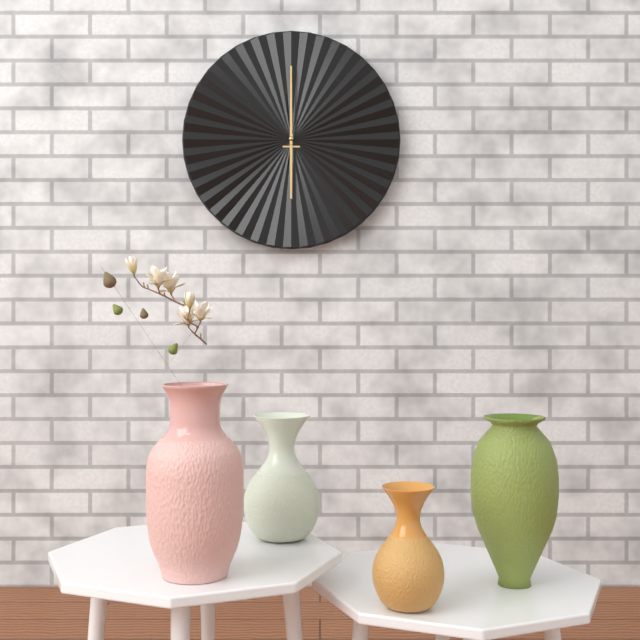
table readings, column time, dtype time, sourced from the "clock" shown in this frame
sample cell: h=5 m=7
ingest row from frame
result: h=6 m=0
